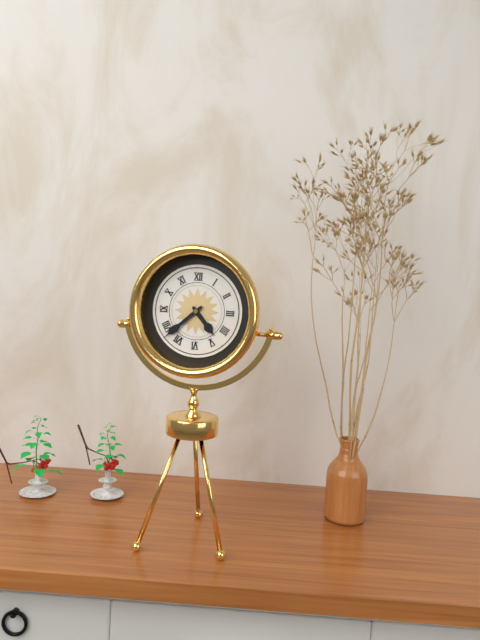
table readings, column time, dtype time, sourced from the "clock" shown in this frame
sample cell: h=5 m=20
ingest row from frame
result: h=4 m=38
